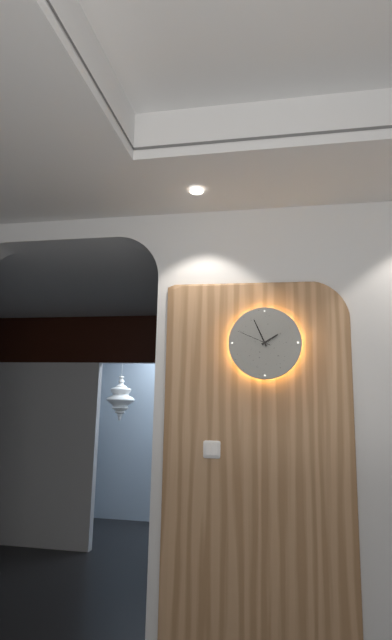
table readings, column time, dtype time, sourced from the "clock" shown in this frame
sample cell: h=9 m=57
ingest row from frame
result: h=1 m=56
